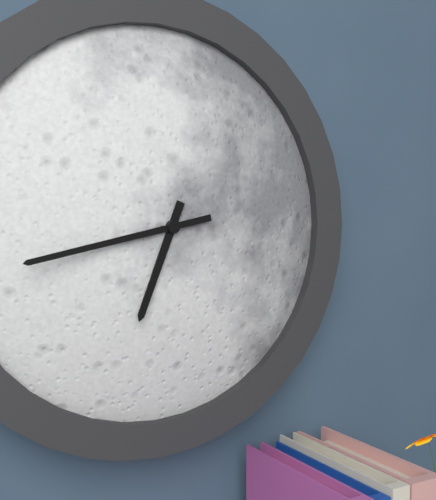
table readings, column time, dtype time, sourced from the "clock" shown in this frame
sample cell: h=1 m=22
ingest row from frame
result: h=6 m=43
